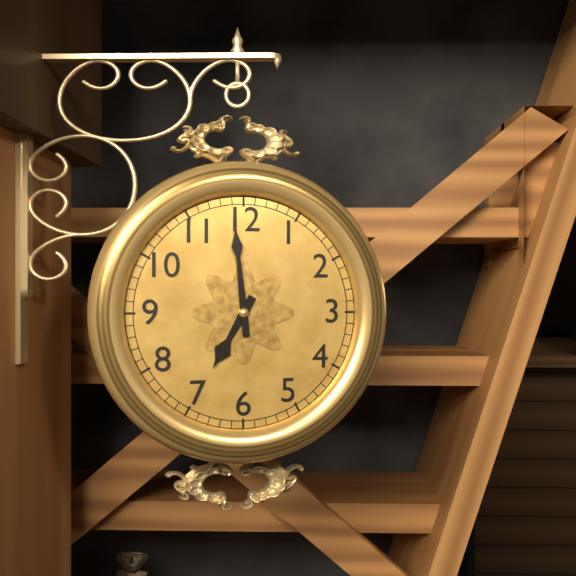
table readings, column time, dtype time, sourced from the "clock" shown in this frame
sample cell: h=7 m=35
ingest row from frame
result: h=6 m=59
